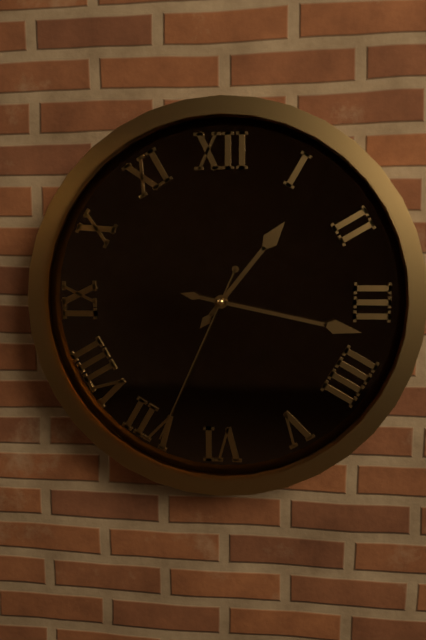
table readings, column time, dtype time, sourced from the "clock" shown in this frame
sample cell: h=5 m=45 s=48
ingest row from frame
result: h=1 m=17 s=34
